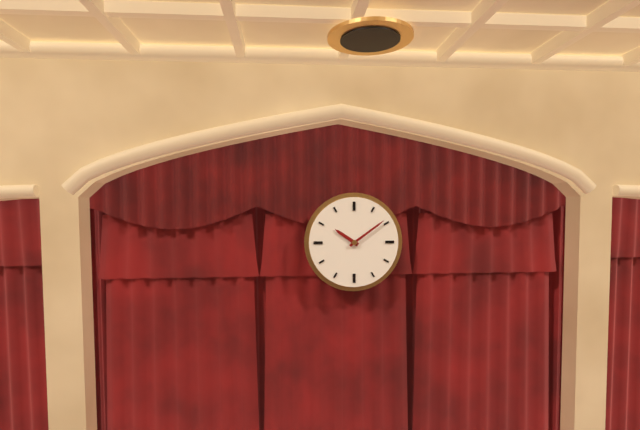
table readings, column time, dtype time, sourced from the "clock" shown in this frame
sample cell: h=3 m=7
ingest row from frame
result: h=10 m=9
